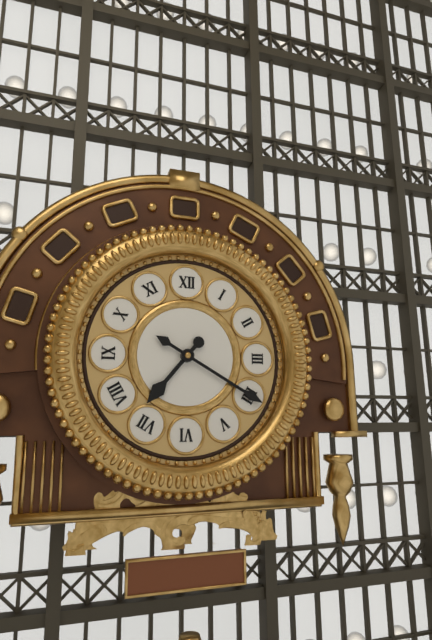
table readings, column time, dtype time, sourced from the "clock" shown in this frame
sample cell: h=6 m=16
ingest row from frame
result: h=7 m=20
